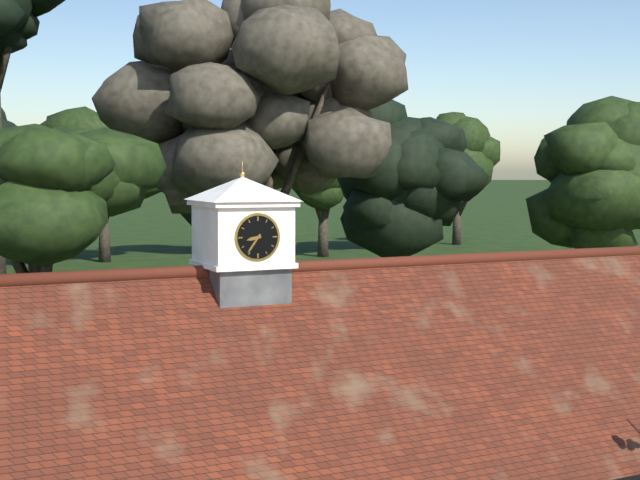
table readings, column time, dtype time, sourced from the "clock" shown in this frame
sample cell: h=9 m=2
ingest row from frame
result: h=8 m=36
